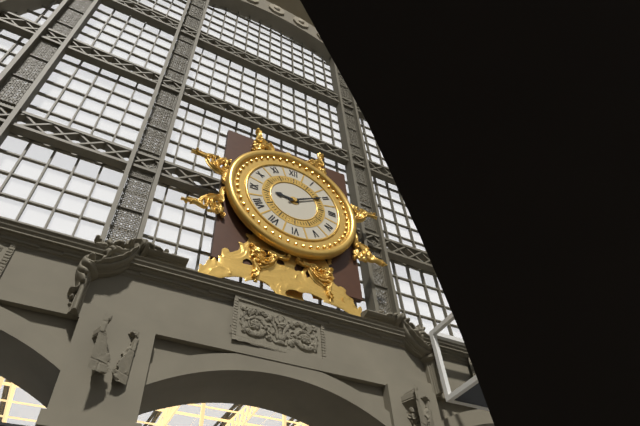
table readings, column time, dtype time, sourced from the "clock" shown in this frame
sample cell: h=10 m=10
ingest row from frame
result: h=9 m=10
